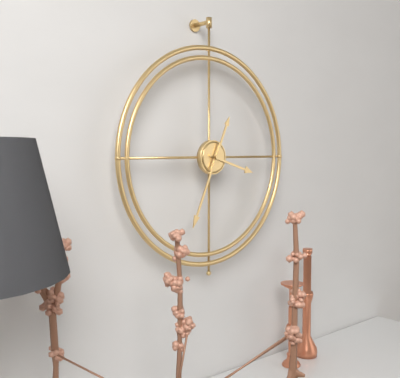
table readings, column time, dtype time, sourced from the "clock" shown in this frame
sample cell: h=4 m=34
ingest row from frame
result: h=3 m=34
